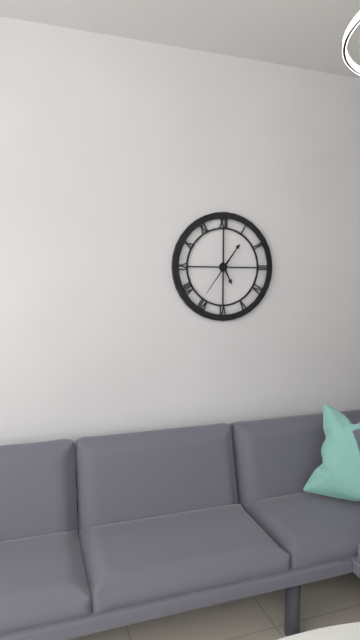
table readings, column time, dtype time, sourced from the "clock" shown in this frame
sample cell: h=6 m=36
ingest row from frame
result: h=5 m=6
